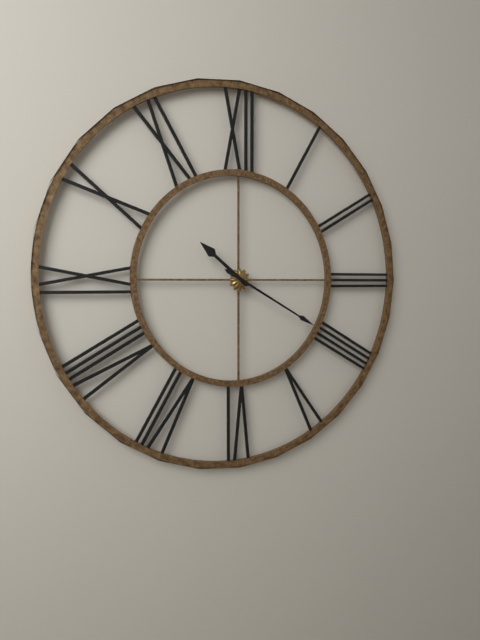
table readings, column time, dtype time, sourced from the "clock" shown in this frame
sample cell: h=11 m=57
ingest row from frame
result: h=10 m=20
